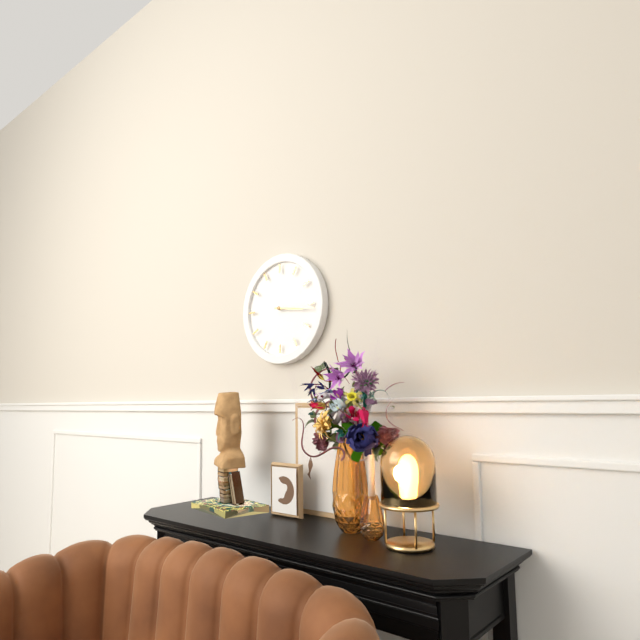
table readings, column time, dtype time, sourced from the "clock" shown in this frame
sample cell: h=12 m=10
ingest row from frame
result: h=3 m=16
